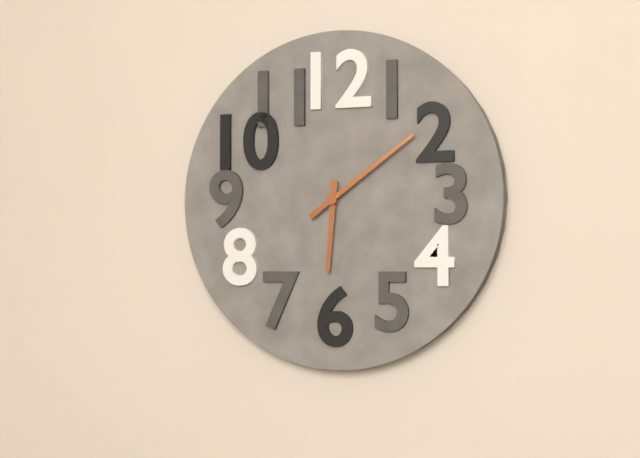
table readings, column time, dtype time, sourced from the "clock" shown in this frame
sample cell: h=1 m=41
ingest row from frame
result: h=6 m=9
